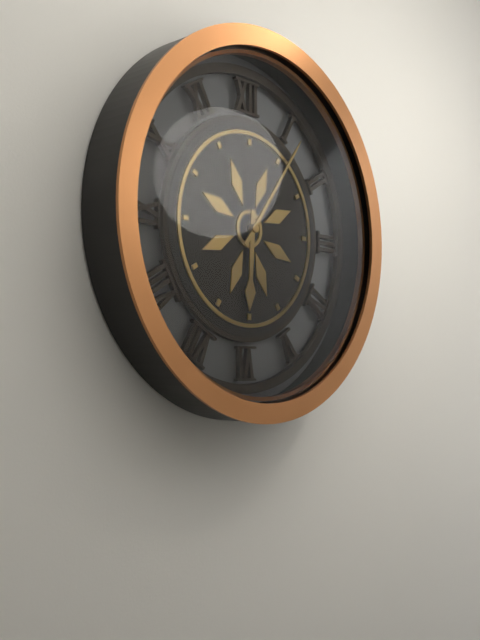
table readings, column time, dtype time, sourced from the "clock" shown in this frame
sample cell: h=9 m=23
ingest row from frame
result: h=6 m=6
